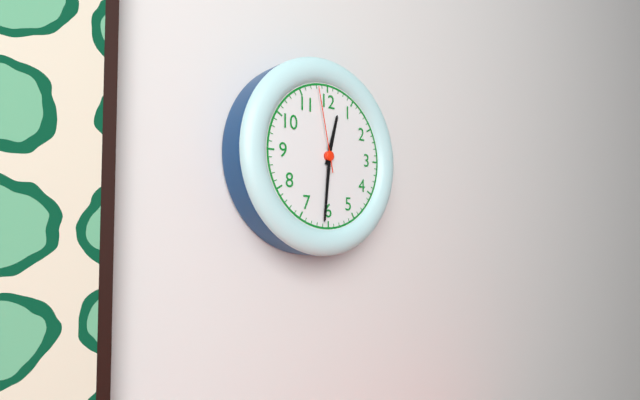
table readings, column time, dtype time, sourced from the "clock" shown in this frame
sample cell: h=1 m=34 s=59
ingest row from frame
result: h=12 m=31 s=58
